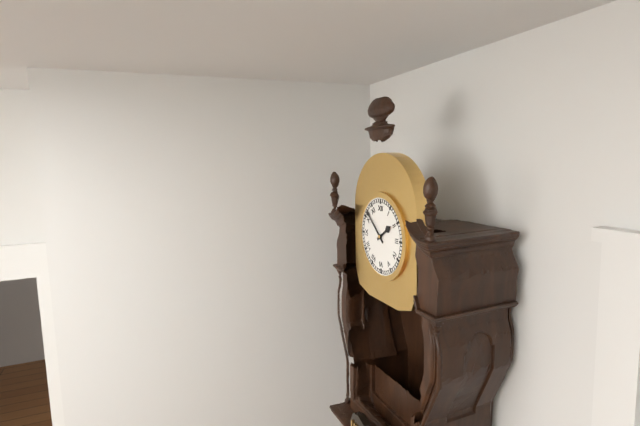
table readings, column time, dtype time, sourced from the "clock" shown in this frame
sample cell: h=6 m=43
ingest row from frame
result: h=1 m=52
